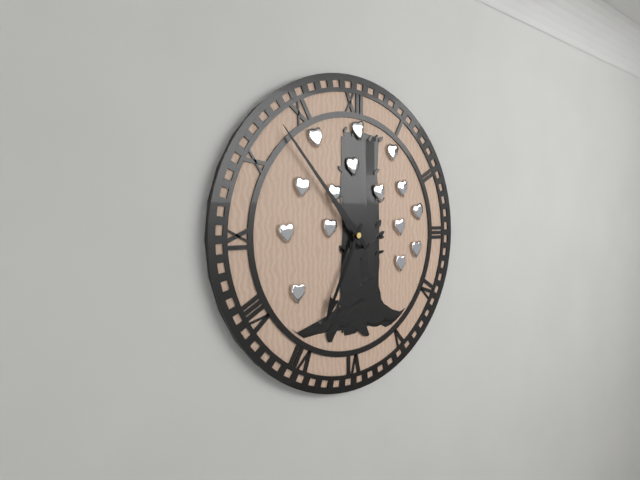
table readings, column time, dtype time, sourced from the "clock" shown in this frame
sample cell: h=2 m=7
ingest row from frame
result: h=6 m=53
